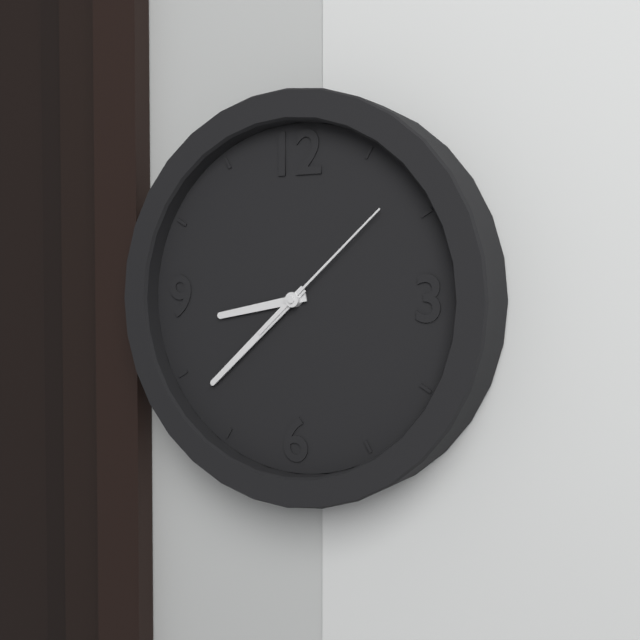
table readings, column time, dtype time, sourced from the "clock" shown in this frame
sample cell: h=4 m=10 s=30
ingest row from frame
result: h=8 m=38 s=8
